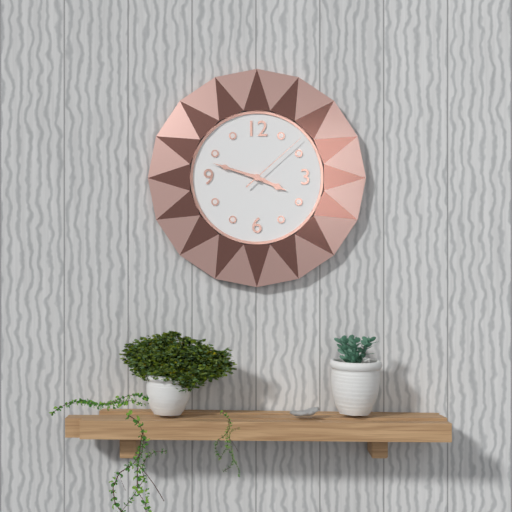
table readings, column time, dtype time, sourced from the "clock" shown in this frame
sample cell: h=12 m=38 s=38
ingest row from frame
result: h=3 m=48 s=8
